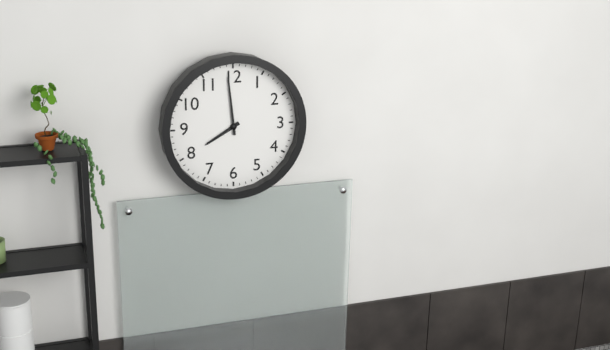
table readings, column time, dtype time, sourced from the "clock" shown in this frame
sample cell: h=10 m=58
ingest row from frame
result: h=7 m=59
